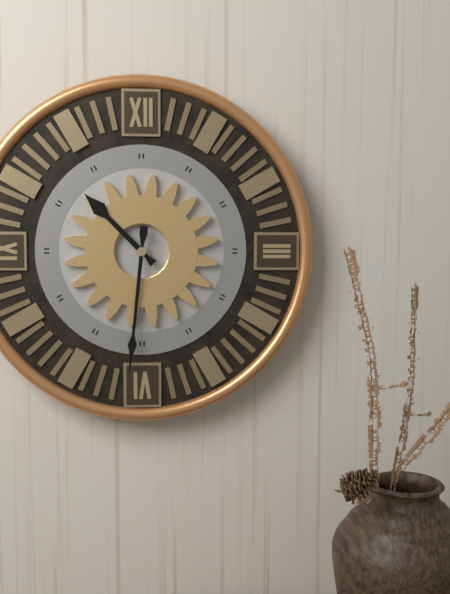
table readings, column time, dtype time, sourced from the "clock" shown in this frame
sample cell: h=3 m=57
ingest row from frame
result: h=10 m=31
